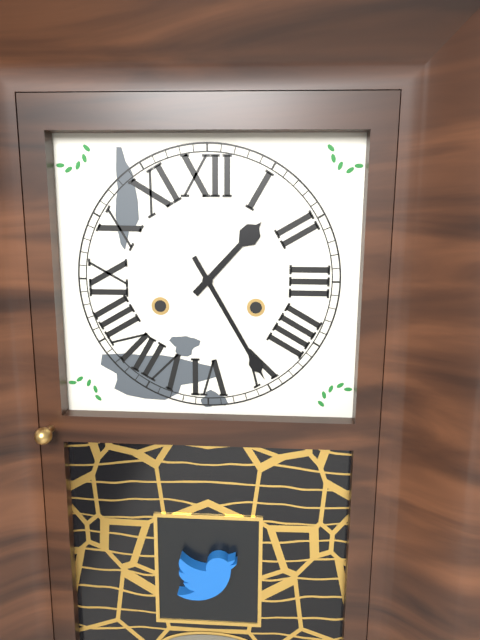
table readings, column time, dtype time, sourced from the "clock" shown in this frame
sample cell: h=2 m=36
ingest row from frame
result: h=1 m=25
